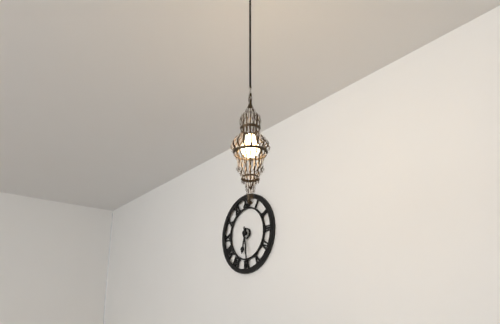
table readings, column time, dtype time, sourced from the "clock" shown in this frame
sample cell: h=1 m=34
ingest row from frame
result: h=6 m=29
